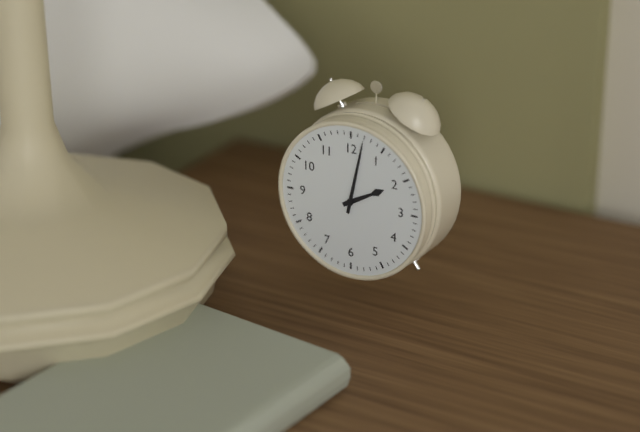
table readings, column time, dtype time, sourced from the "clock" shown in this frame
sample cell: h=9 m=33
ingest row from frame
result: h=2 m=2
